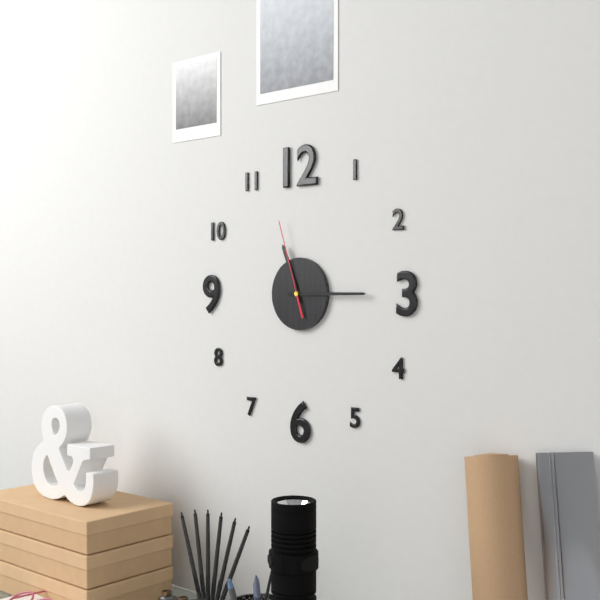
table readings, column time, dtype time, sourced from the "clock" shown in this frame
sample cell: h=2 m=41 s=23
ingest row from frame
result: h=11 m=15 s=57
